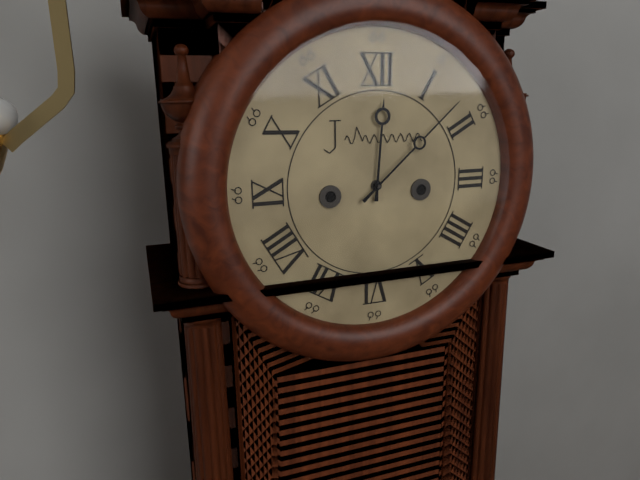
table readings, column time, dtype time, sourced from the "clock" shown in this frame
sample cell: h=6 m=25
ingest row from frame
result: h=12 m=8
